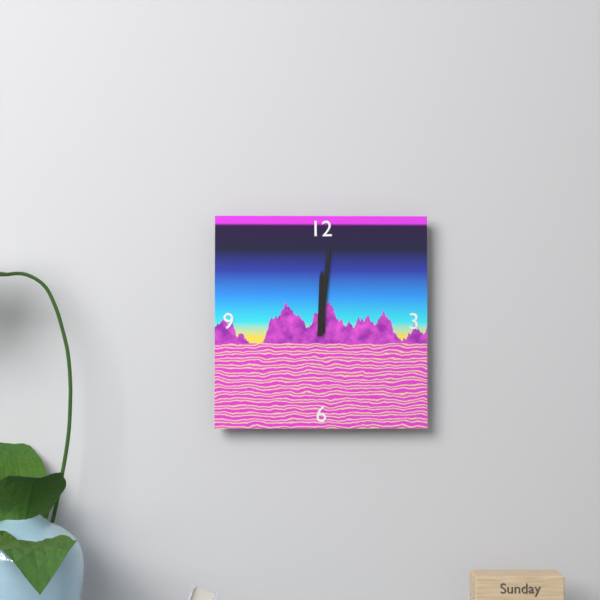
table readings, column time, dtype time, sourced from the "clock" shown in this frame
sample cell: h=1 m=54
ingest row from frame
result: h=12 m=1
